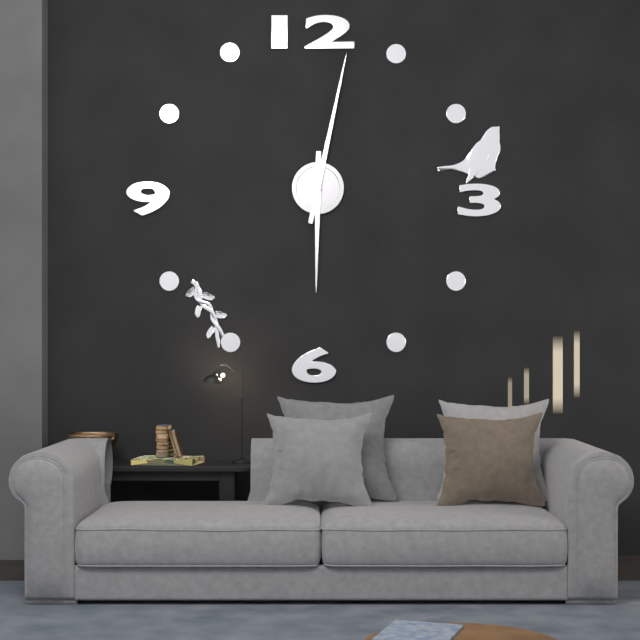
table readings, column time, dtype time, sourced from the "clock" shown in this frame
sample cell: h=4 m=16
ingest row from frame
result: h=6 m=2
